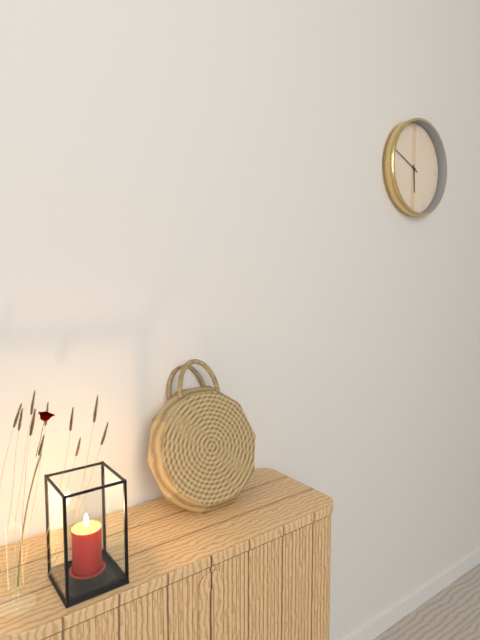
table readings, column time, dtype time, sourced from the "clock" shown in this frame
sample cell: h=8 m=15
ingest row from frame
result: h=5 m=49
